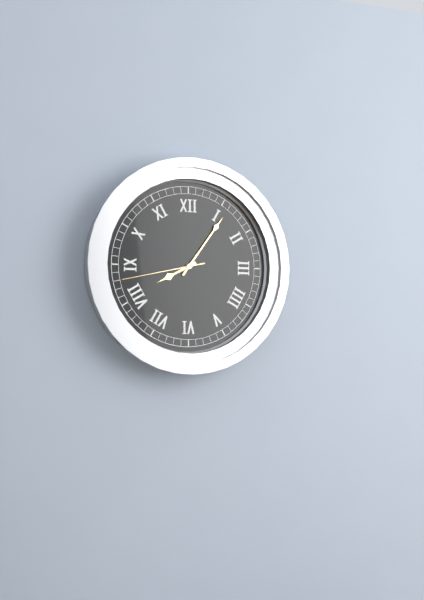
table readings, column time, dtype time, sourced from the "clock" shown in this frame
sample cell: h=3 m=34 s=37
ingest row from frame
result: h=8 m=6 s=43
